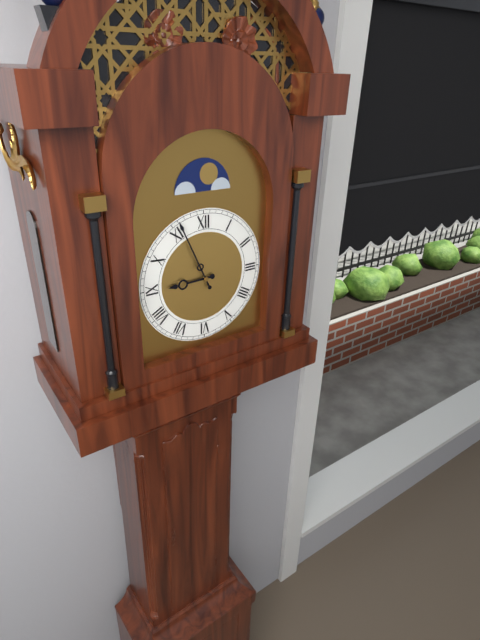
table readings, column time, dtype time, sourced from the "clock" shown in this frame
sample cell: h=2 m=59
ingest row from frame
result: h=8 m=56
